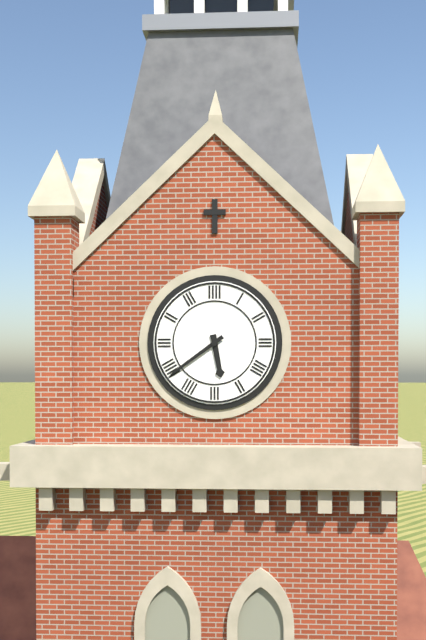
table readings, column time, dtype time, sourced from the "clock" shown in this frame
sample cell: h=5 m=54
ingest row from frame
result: h=5 m=39
